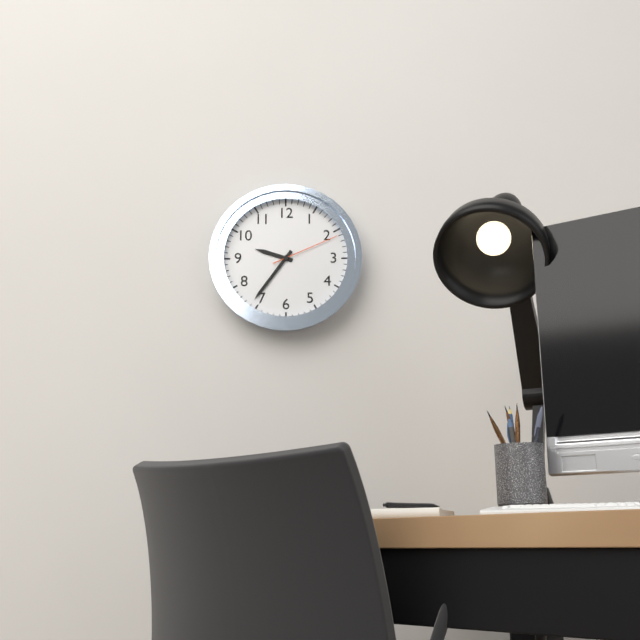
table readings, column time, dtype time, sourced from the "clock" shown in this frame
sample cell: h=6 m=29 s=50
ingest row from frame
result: h=9 m=36 s=11
